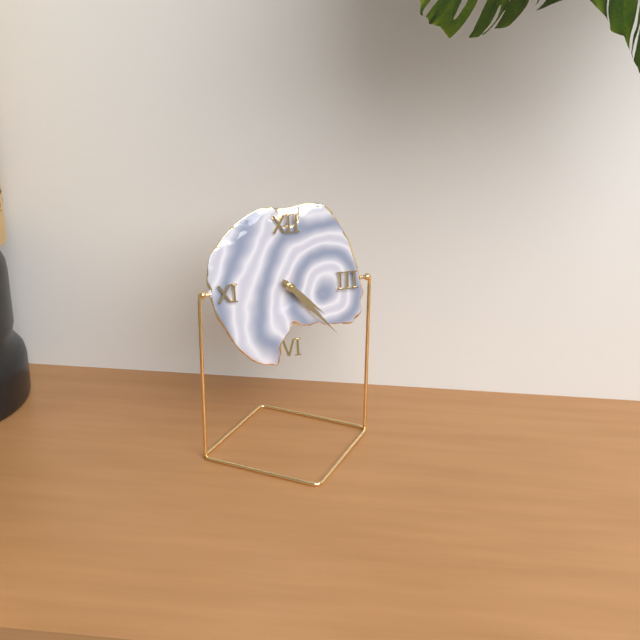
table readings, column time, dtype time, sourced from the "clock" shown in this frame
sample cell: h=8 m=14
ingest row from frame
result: h=4 m=23
